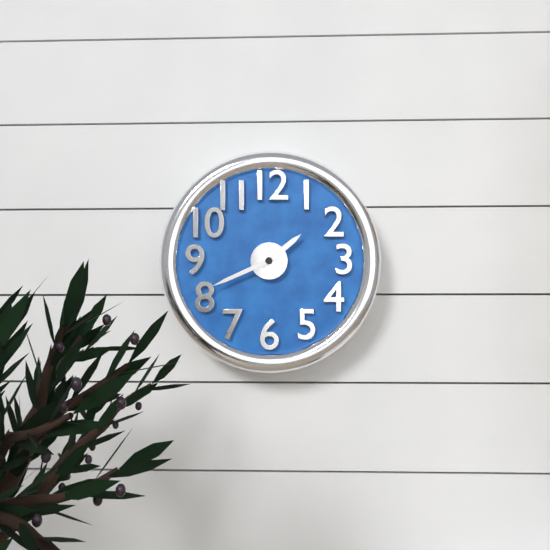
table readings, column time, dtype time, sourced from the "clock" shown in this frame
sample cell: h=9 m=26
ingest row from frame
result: h=1 m=41
